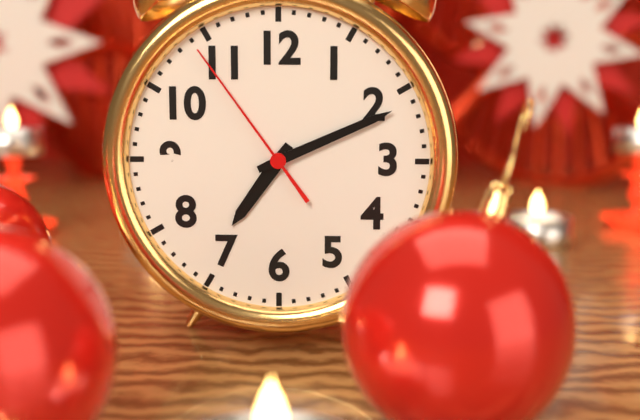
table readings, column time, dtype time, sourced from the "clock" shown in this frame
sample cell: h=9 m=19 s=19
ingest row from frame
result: h=7 m=11 s=54
